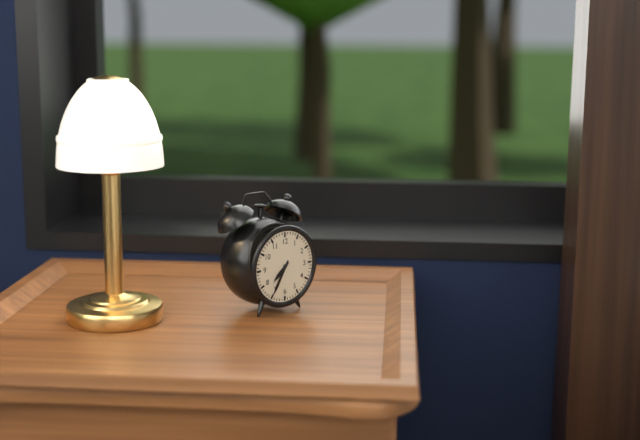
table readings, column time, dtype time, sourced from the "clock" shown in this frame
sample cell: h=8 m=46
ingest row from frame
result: h=7 m=35
